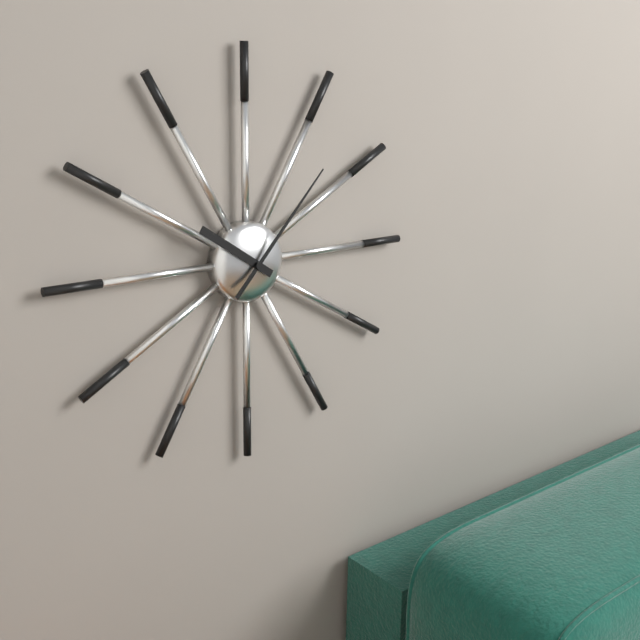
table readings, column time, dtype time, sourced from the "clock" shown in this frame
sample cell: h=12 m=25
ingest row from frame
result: h=10 m=7
